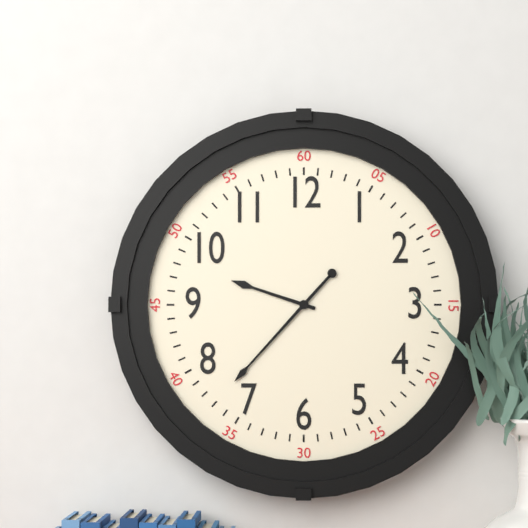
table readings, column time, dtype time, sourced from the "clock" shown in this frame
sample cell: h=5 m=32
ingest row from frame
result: h=9 m=37
